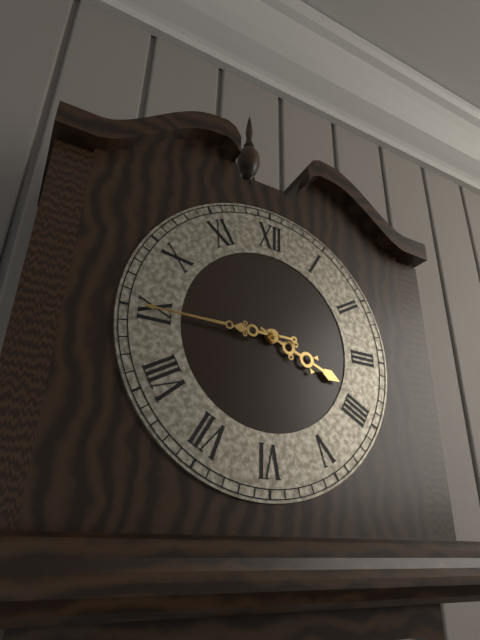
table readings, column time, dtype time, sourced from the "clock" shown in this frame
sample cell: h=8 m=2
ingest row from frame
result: h=3 m=45
